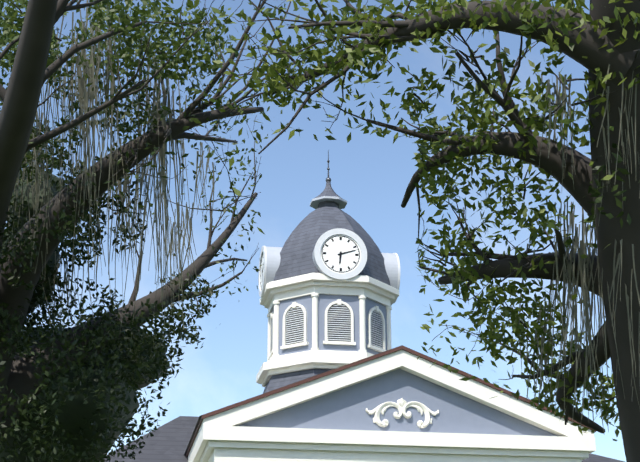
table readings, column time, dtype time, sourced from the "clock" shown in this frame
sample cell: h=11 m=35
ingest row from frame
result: h=6 m=12
